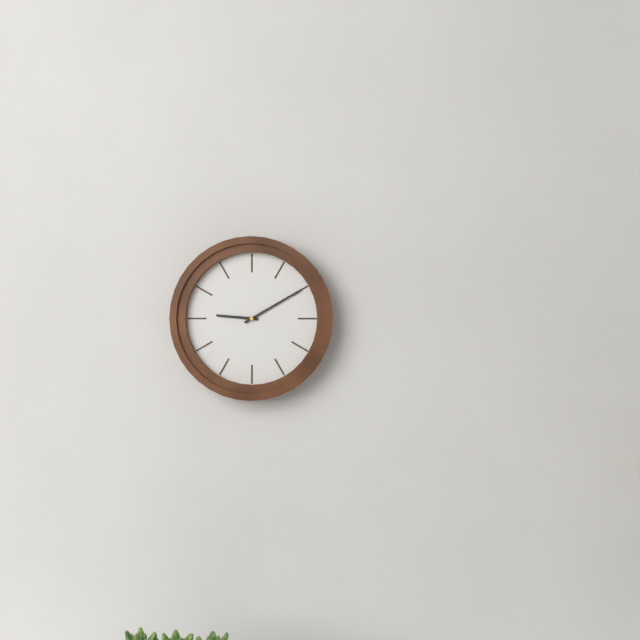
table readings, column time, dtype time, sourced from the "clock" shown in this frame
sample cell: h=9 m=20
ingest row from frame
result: h=9 m=10
